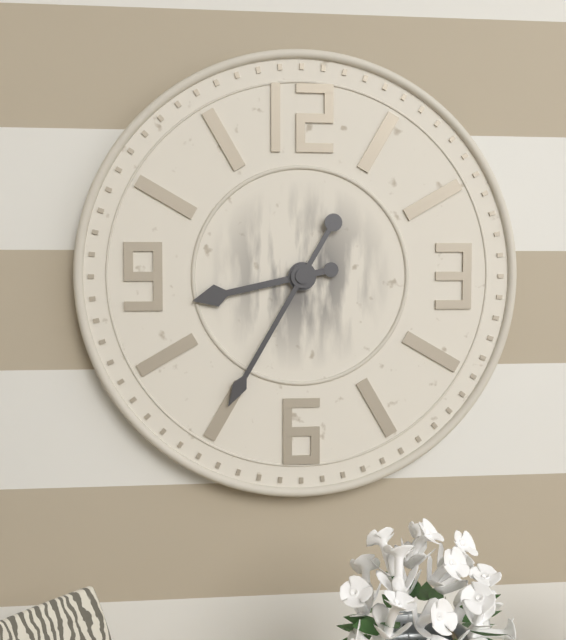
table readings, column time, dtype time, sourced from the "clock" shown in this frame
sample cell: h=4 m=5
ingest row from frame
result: h=8 m=35
